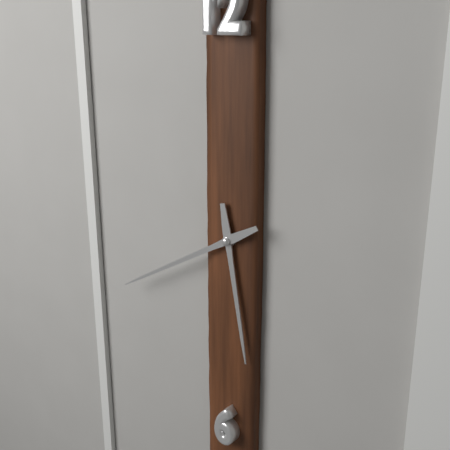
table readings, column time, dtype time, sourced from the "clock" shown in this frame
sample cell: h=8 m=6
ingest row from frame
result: h=5 m=40
